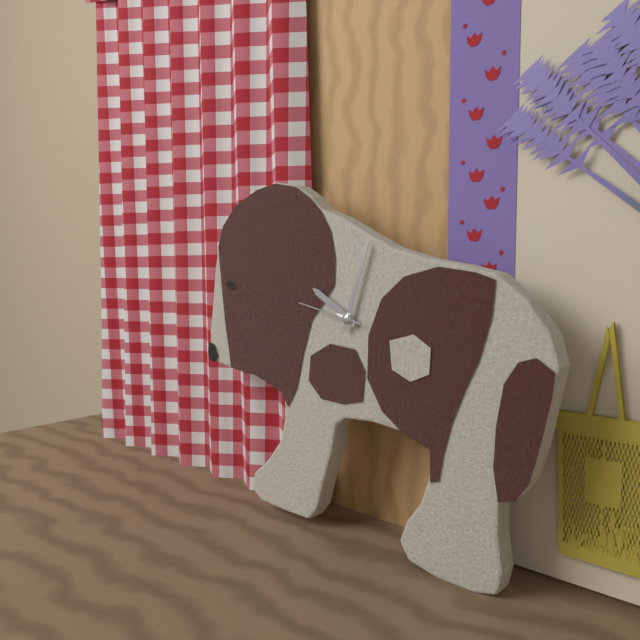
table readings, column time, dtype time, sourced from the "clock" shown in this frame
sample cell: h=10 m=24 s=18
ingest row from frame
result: h=10 m=3 s=47
